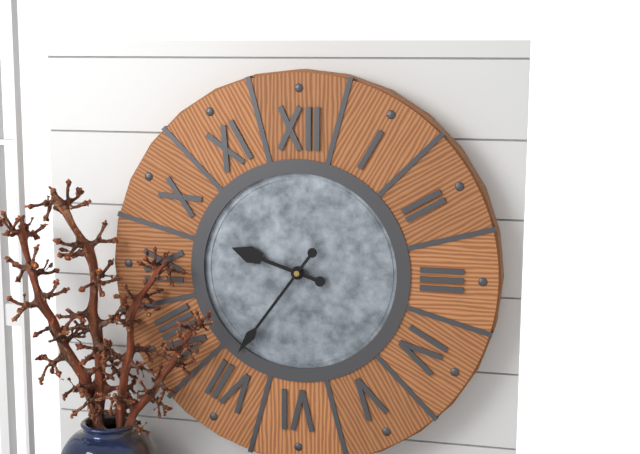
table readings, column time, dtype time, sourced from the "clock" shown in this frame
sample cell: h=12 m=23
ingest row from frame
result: h=9 m=36
